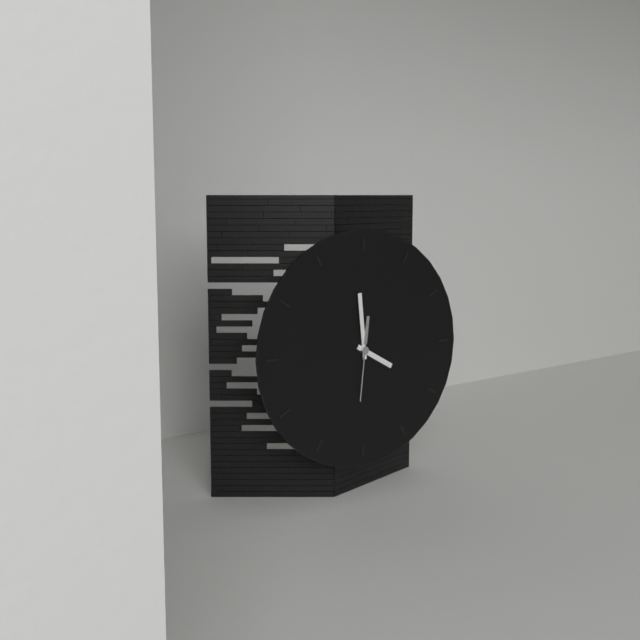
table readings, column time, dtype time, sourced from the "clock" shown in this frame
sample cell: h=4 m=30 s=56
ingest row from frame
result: h=3 m=59 s=31
